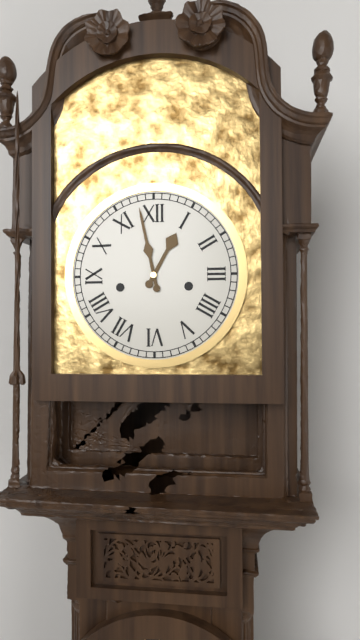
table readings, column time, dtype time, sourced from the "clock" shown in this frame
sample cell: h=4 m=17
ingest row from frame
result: h=12 m=58
